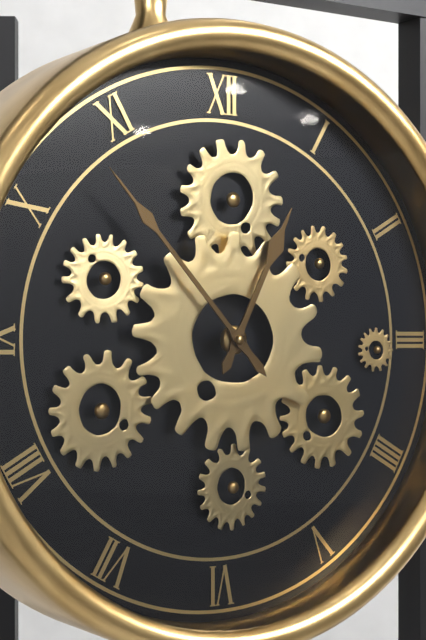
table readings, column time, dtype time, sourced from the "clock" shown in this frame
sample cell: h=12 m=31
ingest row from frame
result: h=12 m=53
